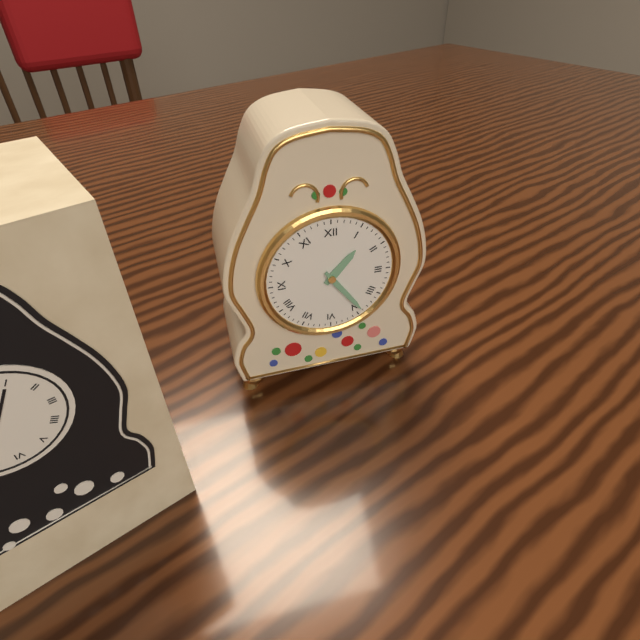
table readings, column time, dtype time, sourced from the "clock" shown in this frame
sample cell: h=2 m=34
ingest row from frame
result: h=1 m=24
